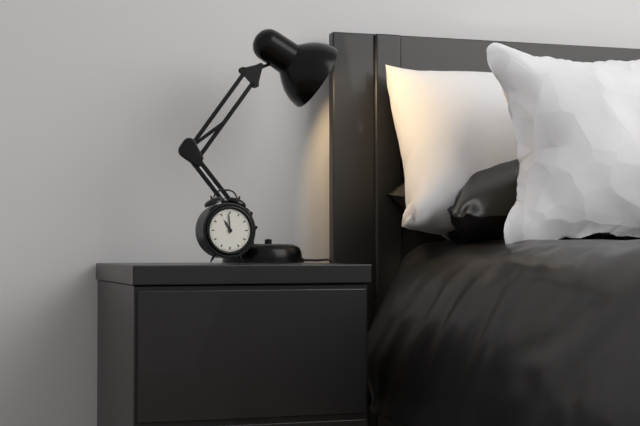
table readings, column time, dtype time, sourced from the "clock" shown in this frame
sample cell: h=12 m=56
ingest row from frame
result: h=10 m=59
